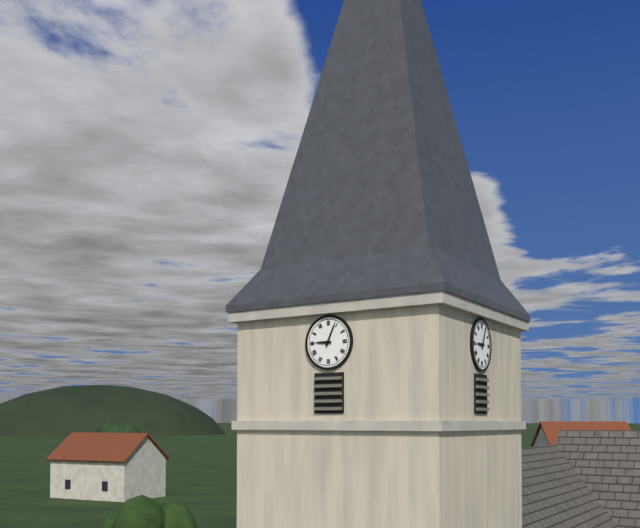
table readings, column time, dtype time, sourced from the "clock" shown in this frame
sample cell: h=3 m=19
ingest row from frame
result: h=9 m=4
